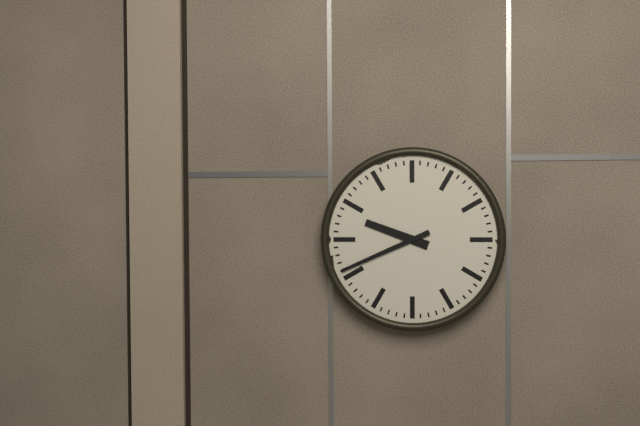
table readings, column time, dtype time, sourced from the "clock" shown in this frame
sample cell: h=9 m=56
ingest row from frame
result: h=9 m=41
